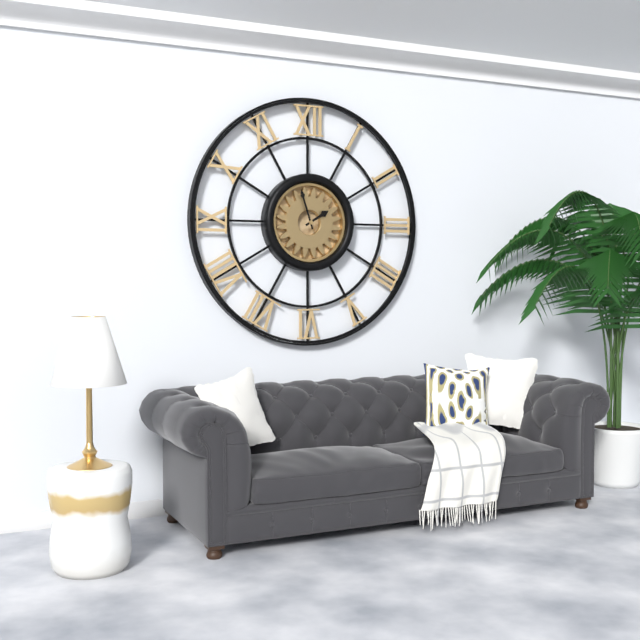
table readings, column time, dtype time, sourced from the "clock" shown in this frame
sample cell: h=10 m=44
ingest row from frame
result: h=1 m=57
